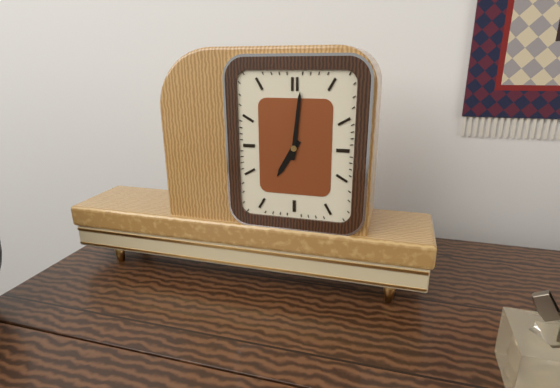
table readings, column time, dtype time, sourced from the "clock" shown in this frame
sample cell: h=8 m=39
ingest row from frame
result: h=7 m=1
